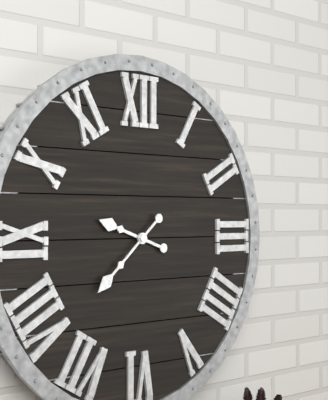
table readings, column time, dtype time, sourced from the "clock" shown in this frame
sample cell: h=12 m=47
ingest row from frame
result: h=9 m=38
